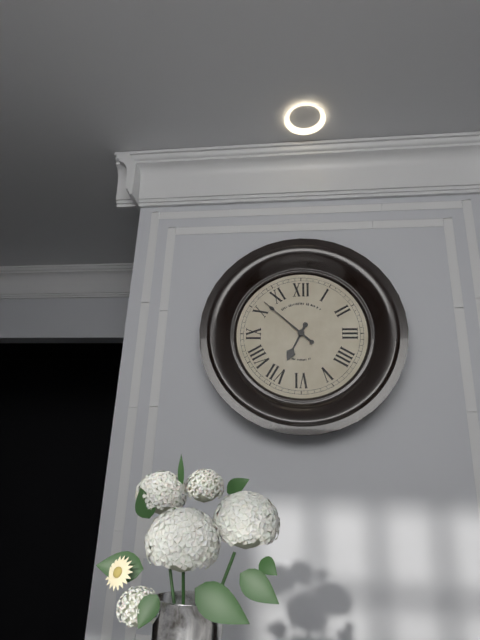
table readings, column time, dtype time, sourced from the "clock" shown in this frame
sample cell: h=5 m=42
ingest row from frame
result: h=6 m=52
